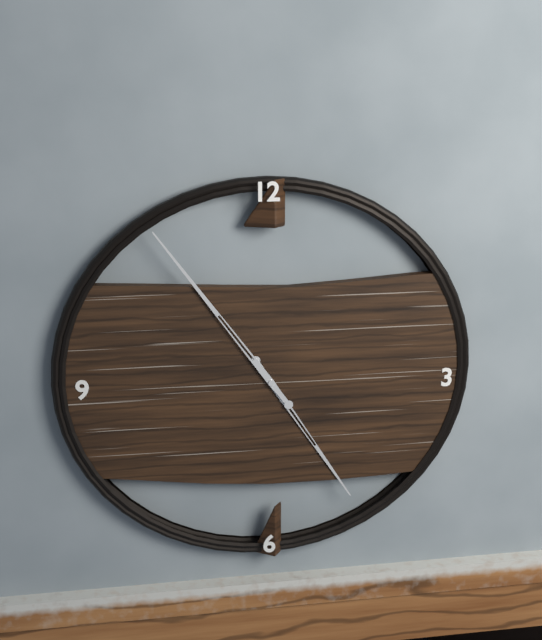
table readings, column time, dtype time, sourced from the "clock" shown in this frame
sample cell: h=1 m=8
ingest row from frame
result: h=4 m=54
